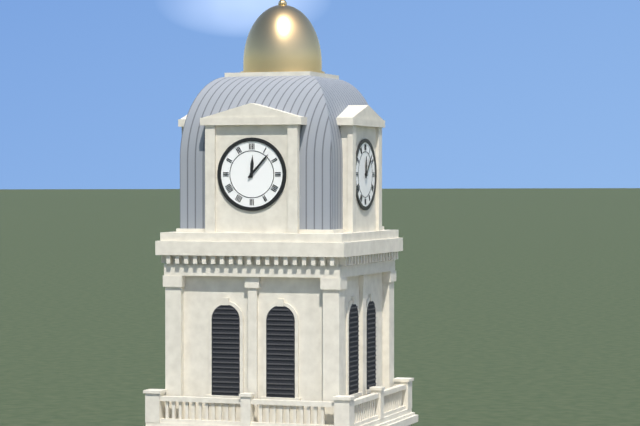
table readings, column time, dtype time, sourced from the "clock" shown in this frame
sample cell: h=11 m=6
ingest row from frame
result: h=12 m=7
